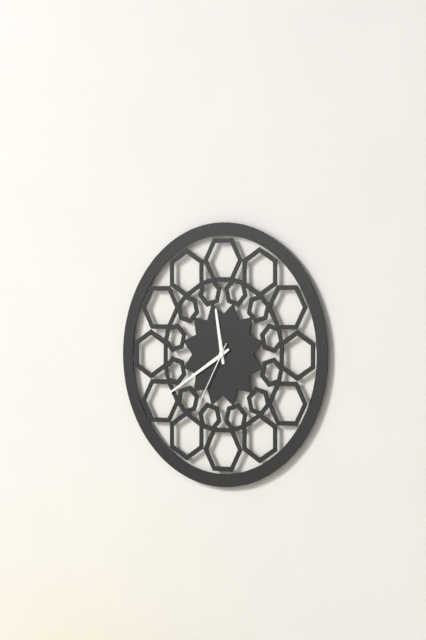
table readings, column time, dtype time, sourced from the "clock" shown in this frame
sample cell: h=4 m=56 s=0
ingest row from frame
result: h=11 m=40 s=35
